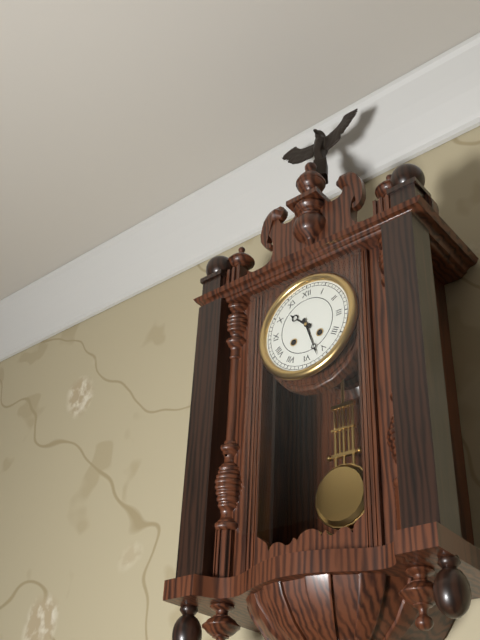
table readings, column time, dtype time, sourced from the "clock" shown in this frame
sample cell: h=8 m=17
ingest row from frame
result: h=10 m=27
